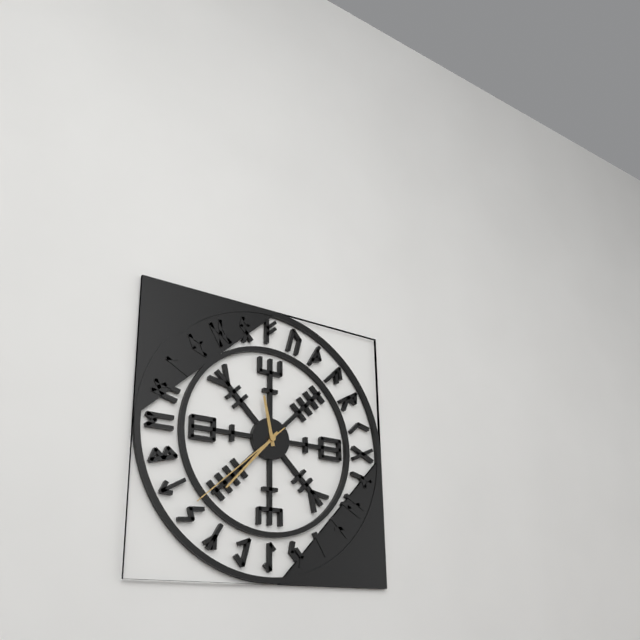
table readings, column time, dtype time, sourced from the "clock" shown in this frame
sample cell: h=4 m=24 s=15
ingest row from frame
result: h=11 m=37 s=38
